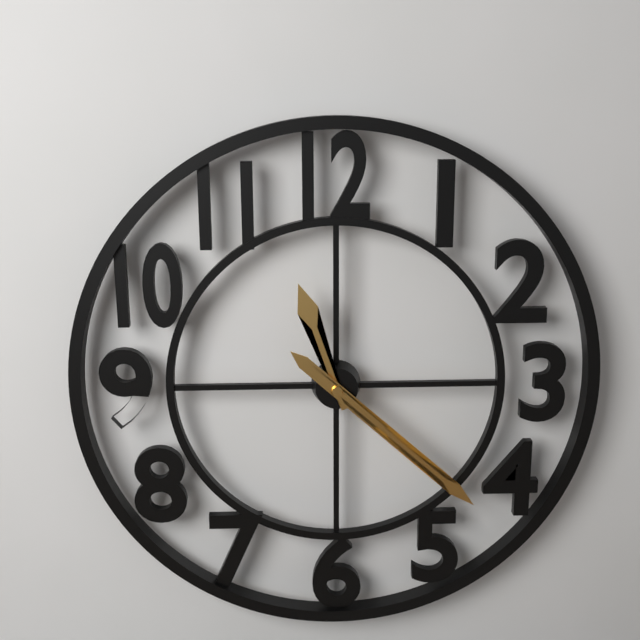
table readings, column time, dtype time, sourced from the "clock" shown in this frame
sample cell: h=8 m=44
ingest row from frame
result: h=11 m=22
